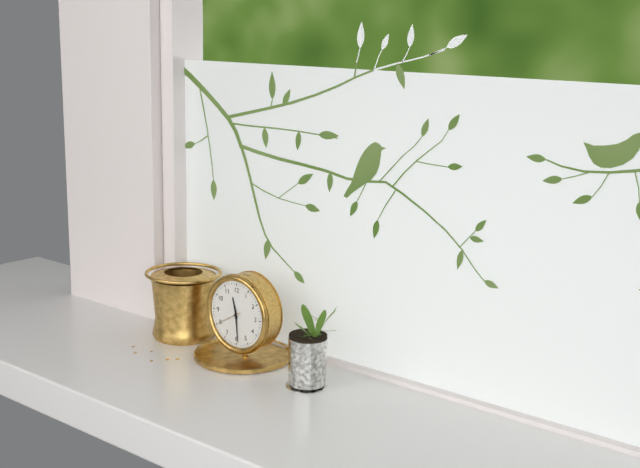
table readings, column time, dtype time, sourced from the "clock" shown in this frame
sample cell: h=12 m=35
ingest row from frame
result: h=11 m=29
